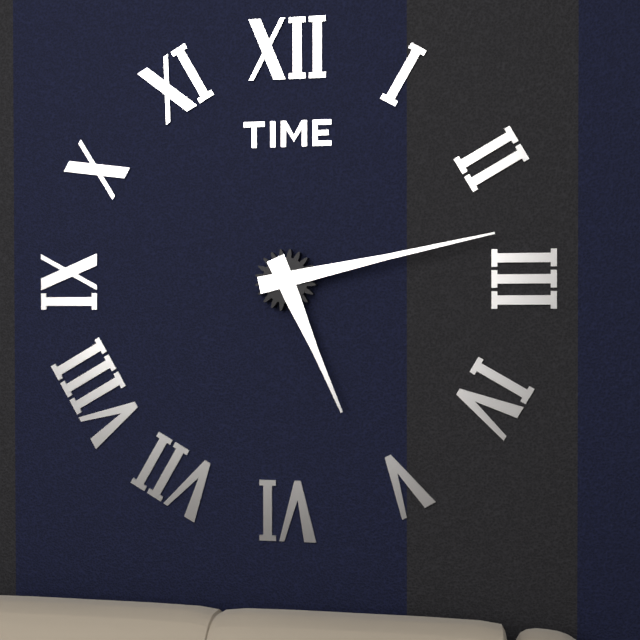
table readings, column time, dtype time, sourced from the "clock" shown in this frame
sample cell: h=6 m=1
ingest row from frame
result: h=5 m=13
